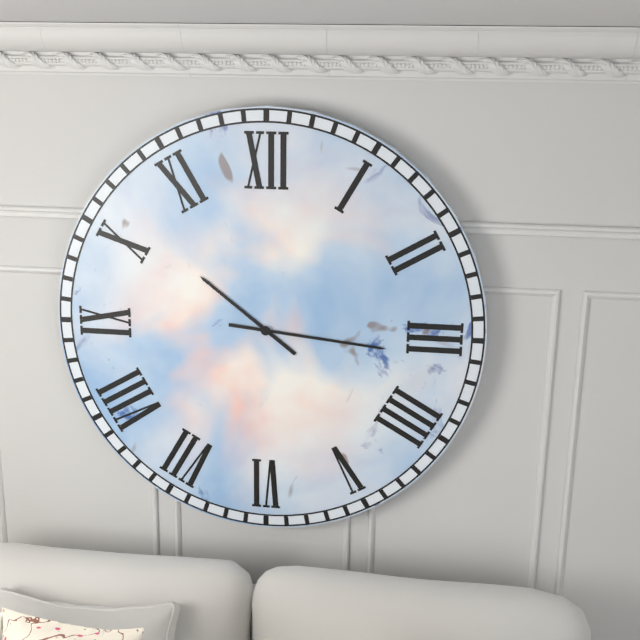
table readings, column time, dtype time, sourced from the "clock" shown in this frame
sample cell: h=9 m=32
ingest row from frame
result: h=10 m=16
